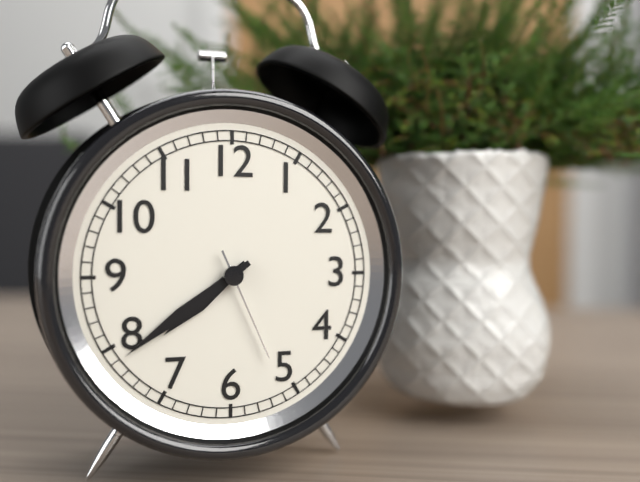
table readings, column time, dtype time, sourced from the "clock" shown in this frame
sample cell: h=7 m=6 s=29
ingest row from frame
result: h=7 m=39 s=26
